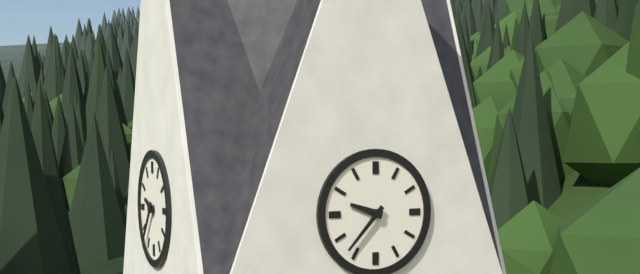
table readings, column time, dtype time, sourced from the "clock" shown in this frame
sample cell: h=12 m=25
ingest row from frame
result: h=9 m=37
